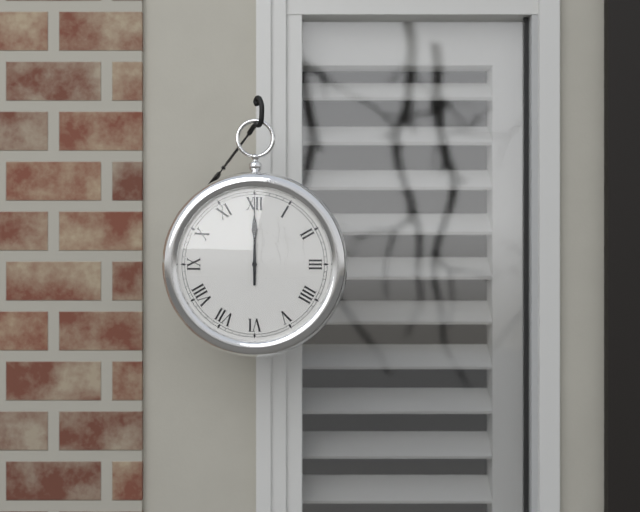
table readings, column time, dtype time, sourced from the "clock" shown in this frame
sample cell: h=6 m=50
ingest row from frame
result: h=12 m=0
